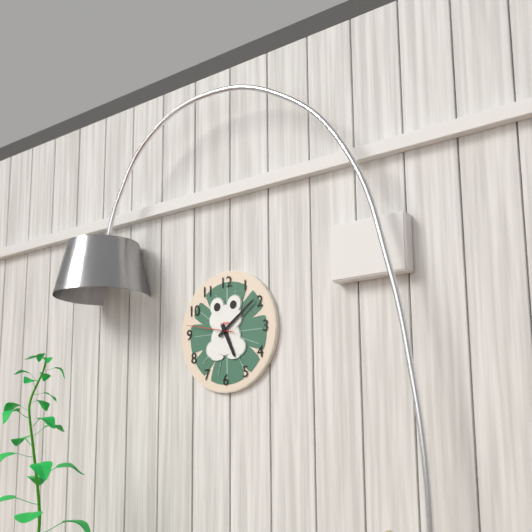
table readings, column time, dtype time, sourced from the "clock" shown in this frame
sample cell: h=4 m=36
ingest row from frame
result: h=5 m=9
